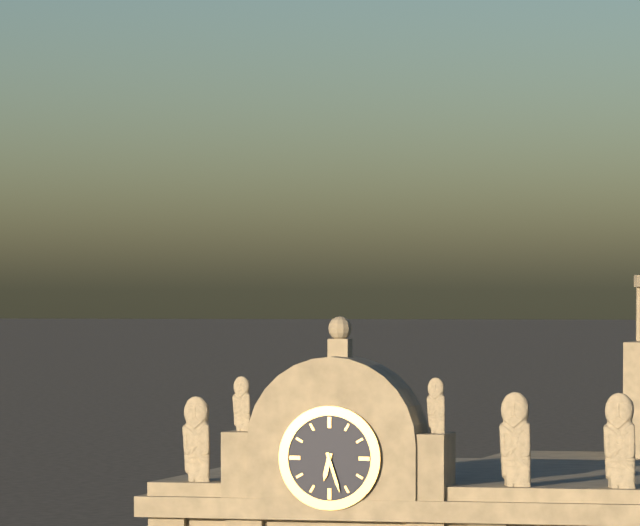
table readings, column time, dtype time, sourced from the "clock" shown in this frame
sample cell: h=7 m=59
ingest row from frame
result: h=6 m=27
